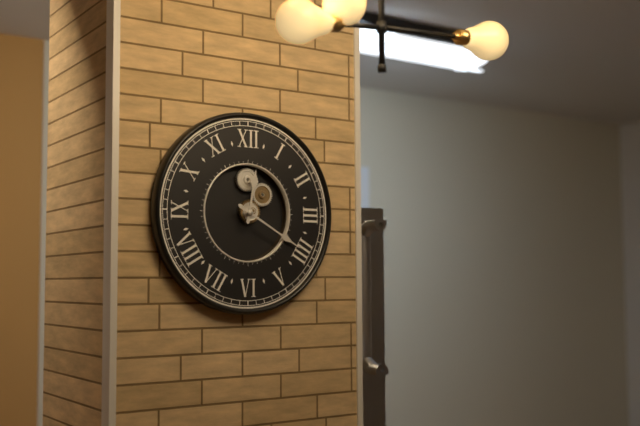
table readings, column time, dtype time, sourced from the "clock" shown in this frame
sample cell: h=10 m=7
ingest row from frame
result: h=12 m=20
